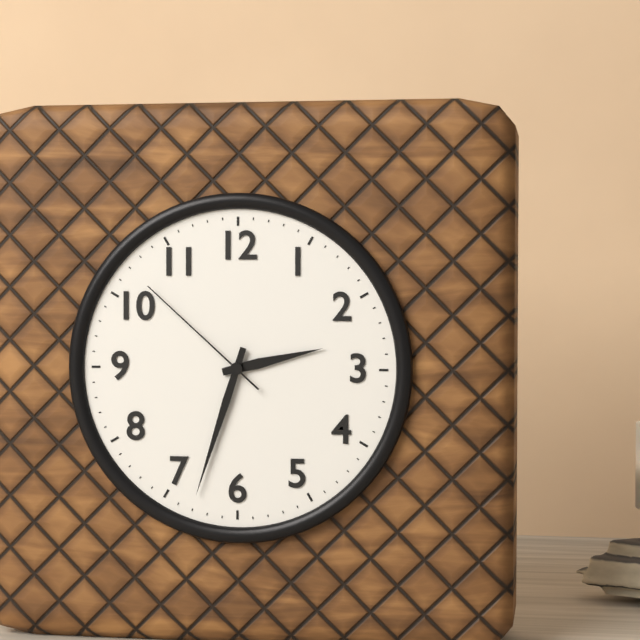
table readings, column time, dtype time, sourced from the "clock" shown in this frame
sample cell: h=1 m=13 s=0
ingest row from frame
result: h=2 m=33 s=52
